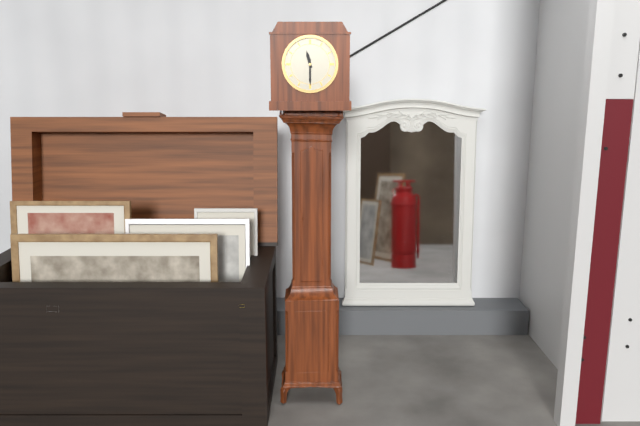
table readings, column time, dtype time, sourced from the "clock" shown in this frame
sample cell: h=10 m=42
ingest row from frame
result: h=11 m=30
